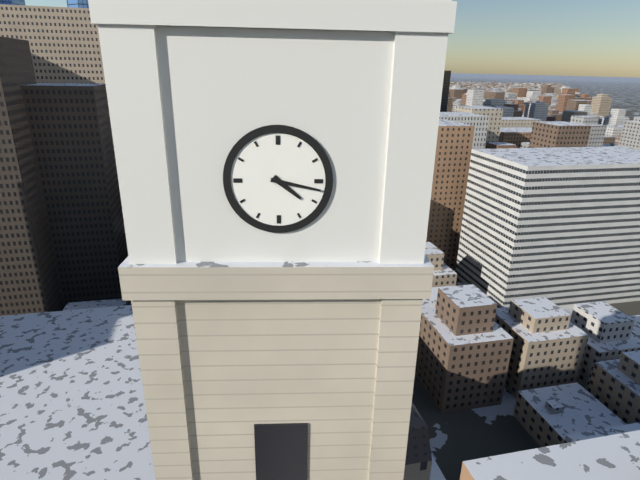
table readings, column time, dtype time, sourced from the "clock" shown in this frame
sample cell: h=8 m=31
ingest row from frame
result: h=4 m=17
